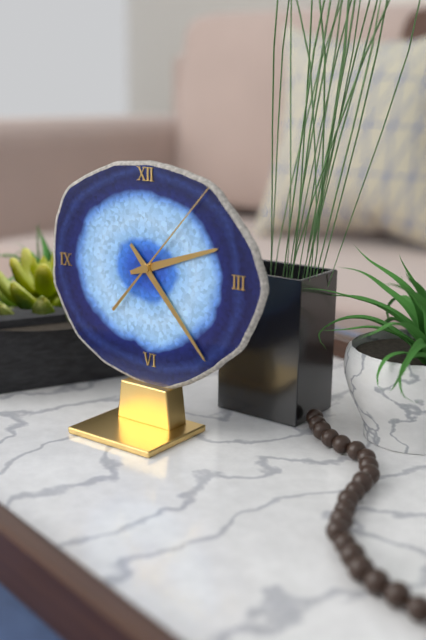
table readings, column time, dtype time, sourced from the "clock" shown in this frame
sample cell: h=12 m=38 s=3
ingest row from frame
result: h=2 m=23 s=7
